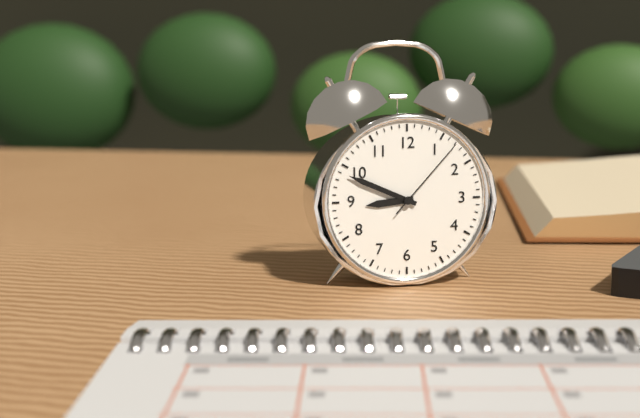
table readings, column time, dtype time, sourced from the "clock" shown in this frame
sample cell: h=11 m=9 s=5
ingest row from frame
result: h=8 m=49 s=7
